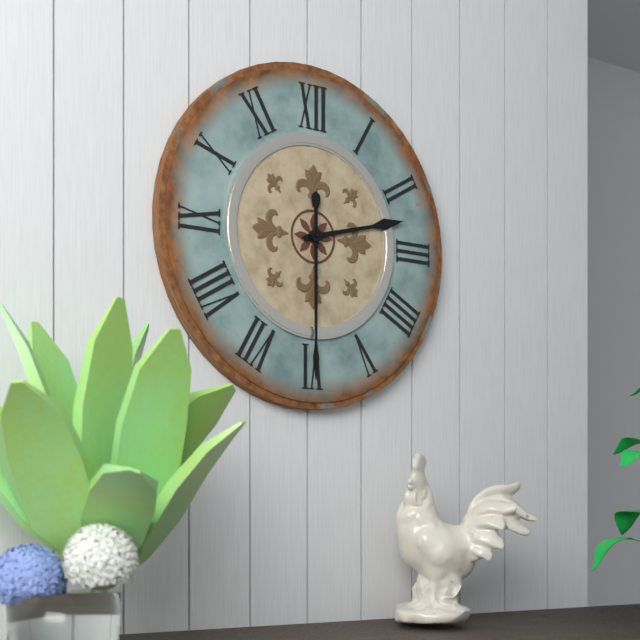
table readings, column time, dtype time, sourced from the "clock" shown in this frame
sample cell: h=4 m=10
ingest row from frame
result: h=2 m=30
